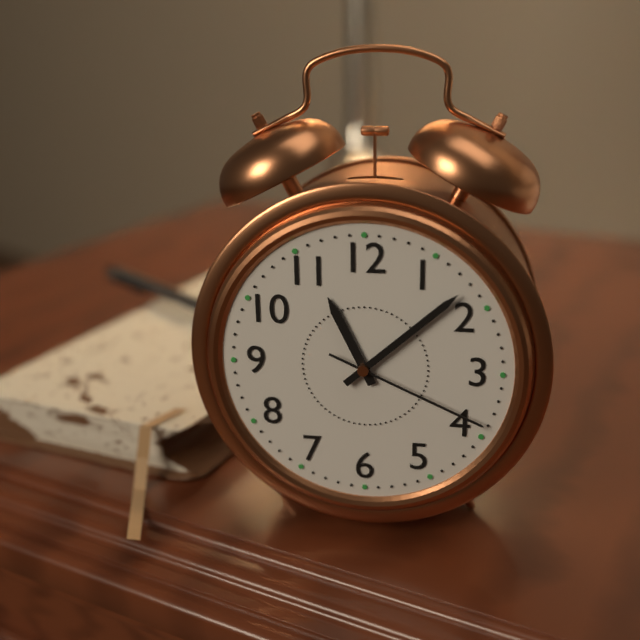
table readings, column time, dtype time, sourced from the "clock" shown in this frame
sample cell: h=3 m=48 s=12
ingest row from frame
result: h=11 m=8 s=19
